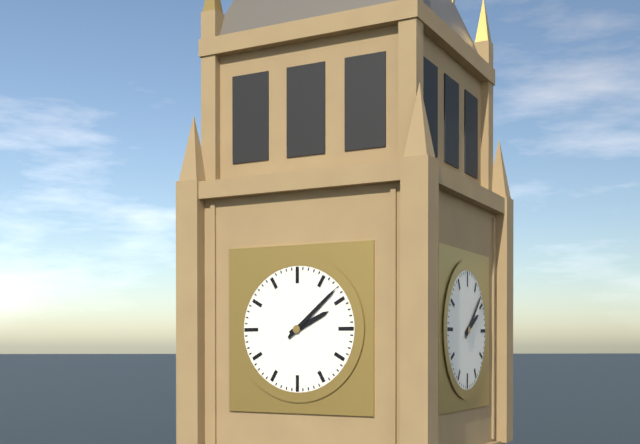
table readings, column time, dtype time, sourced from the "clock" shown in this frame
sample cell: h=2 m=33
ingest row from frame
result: h=2 m=8
